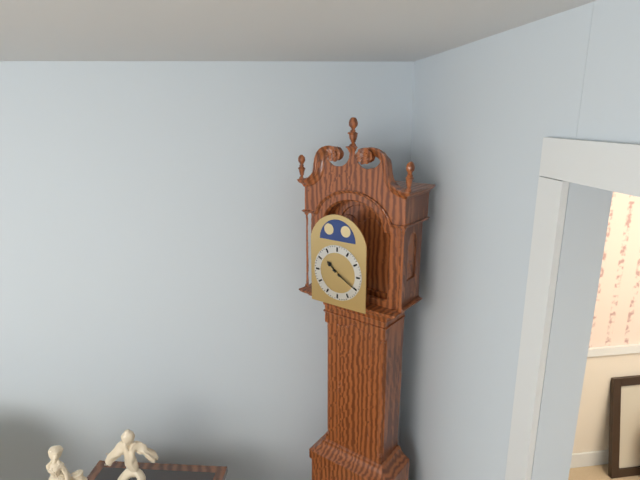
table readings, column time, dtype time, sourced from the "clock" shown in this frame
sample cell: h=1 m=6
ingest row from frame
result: h=10 m=20
